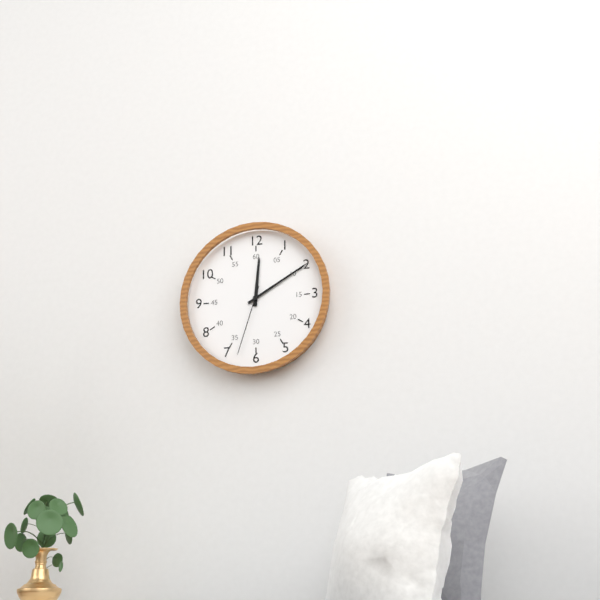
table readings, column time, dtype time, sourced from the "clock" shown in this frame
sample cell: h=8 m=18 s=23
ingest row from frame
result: h=12 m=10 s=33
